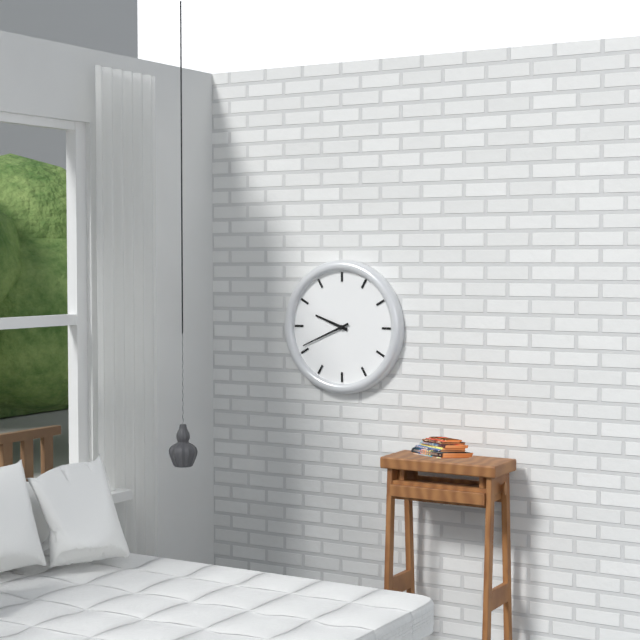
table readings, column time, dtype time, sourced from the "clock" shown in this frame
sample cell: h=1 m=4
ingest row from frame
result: h=9 m=41
